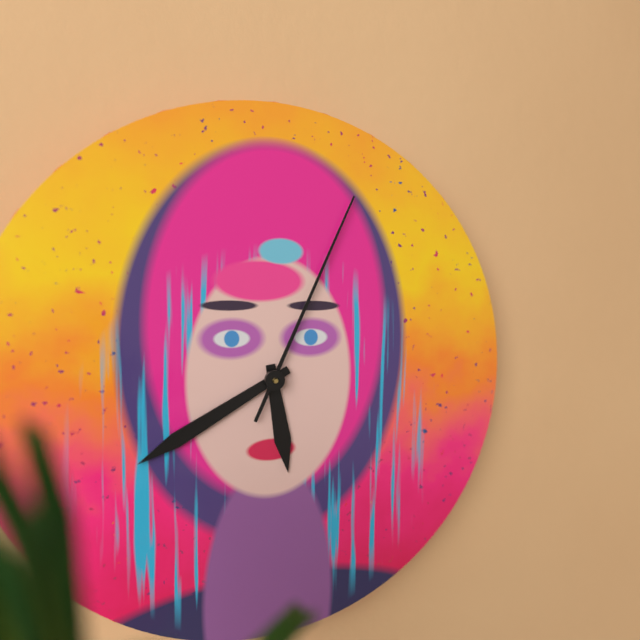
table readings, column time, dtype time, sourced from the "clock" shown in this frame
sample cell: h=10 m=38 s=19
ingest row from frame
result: h=5 m=40 s=4
